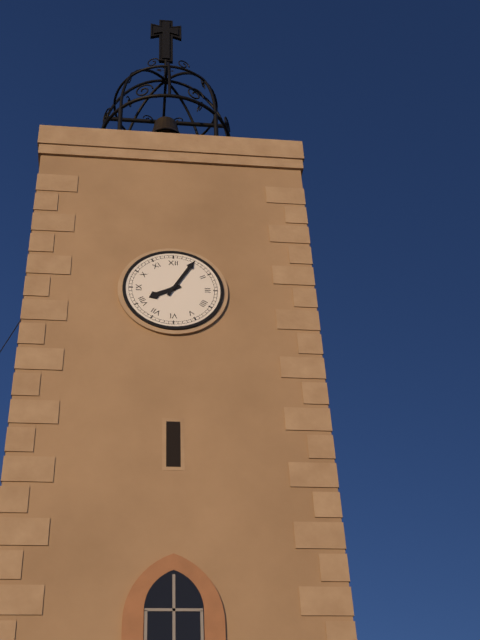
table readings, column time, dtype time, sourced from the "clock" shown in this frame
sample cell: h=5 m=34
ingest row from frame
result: h=8 m=5
